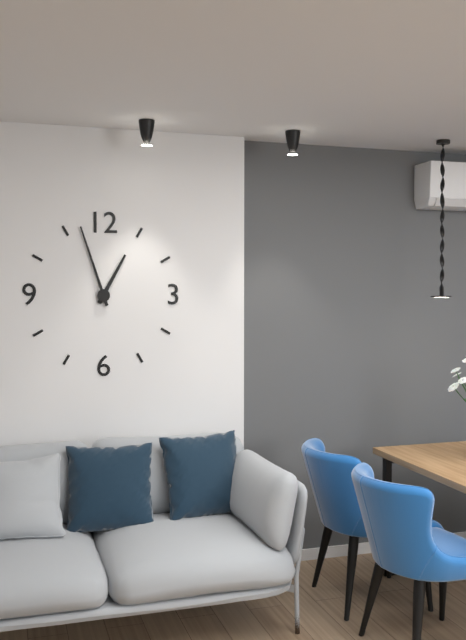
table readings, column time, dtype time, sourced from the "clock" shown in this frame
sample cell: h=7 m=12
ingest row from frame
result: h=12 m=57
